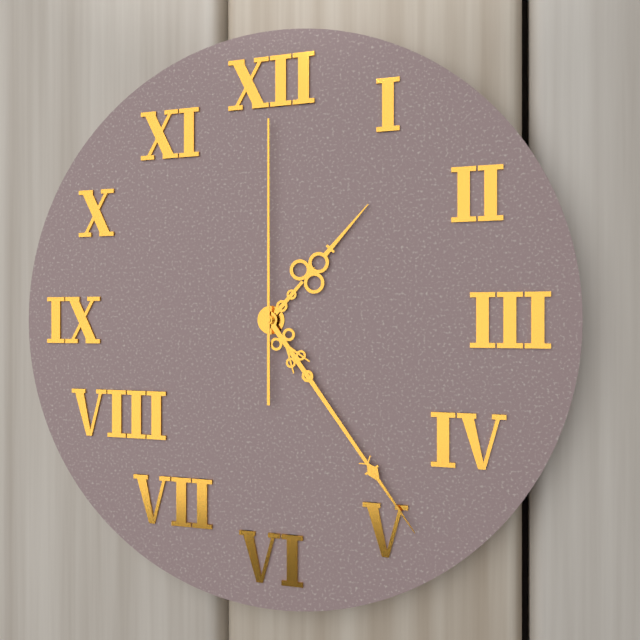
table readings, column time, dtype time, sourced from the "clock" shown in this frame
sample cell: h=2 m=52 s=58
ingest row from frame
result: h=1 m=24 s=0
